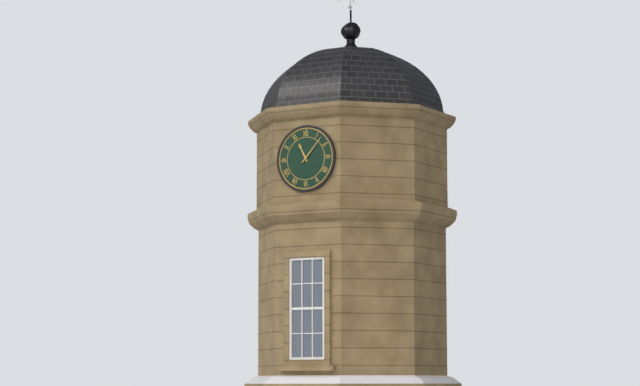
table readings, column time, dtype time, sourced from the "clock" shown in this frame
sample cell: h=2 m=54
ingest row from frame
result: h=11 m=7
